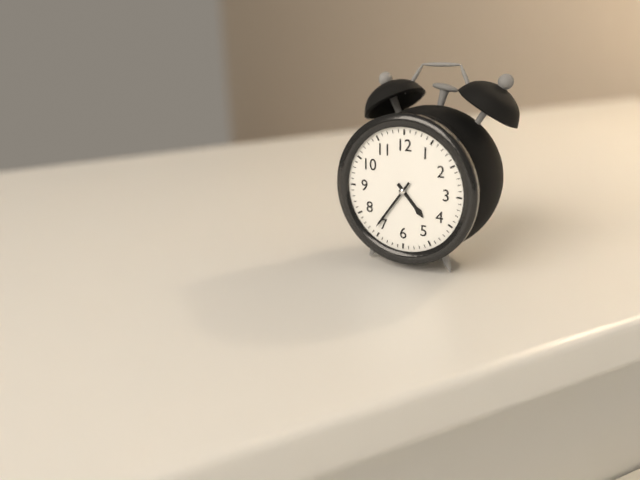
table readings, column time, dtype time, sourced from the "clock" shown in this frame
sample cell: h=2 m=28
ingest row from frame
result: h=4 m=36
